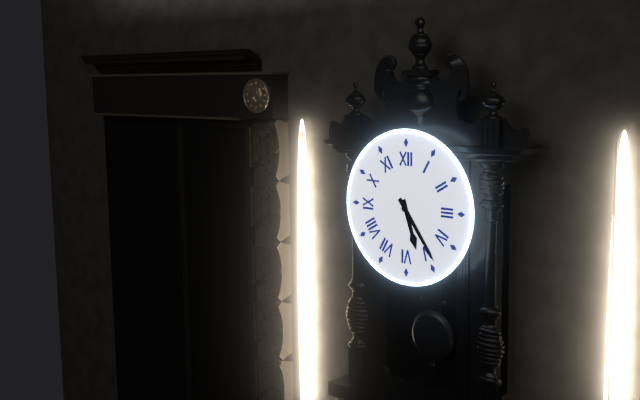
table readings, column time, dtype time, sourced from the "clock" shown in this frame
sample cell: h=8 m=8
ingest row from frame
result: h=5 m=24
